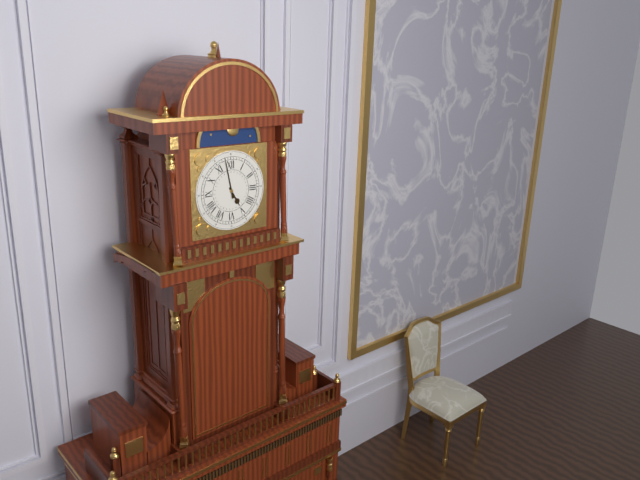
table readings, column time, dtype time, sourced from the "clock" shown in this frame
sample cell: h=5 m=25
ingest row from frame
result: h=4 m=58
